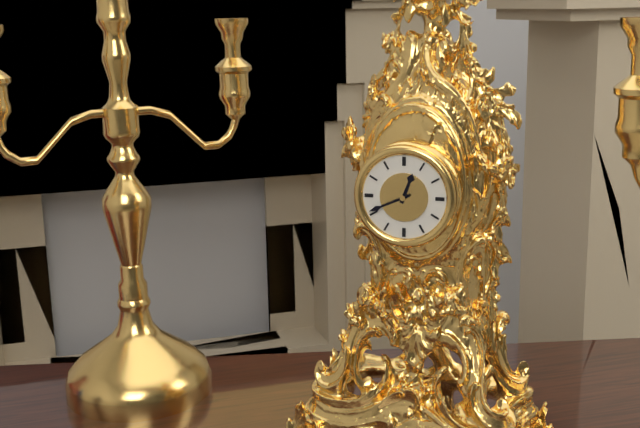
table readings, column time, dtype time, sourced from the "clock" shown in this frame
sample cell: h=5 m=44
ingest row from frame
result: h=12 m=41
